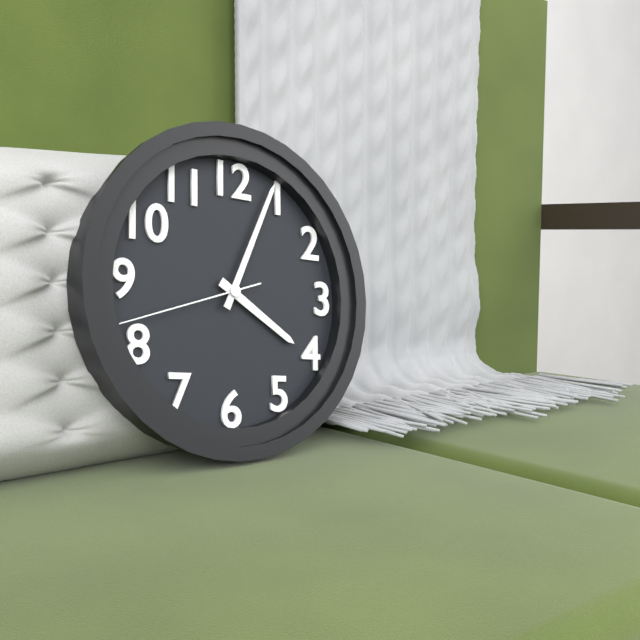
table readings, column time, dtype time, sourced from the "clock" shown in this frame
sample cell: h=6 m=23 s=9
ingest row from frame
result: h=4 m=4 s=42
